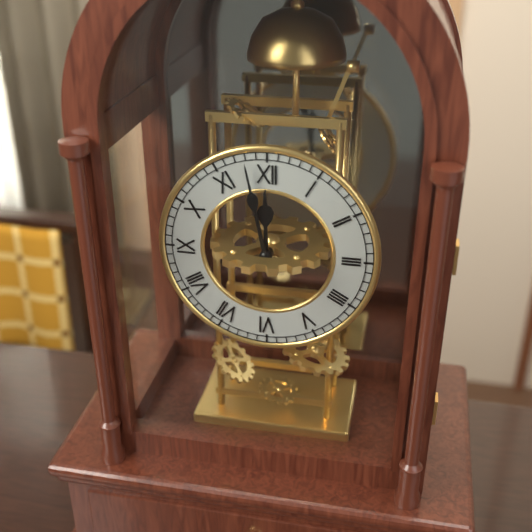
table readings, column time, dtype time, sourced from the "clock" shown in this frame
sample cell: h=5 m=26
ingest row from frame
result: h=11 m=58
